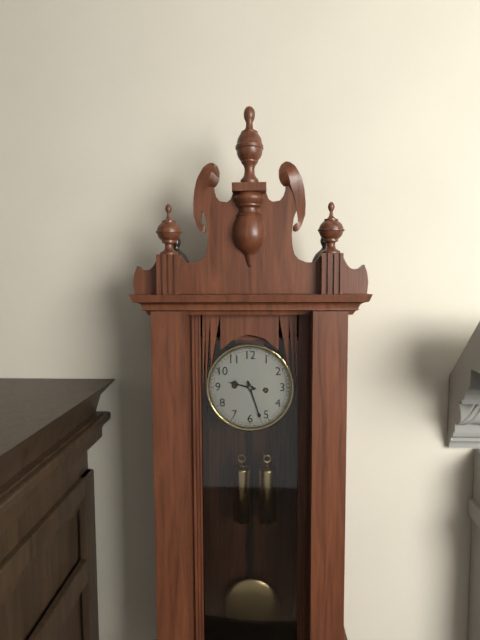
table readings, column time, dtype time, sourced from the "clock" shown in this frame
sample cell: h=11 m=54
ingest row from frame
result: h=9 m=27
